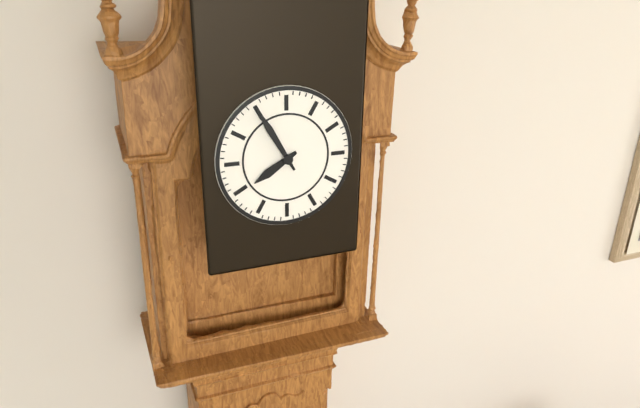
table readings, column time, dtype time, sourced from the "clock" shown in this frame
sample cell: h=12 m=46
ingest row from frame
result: h=7 m=55
